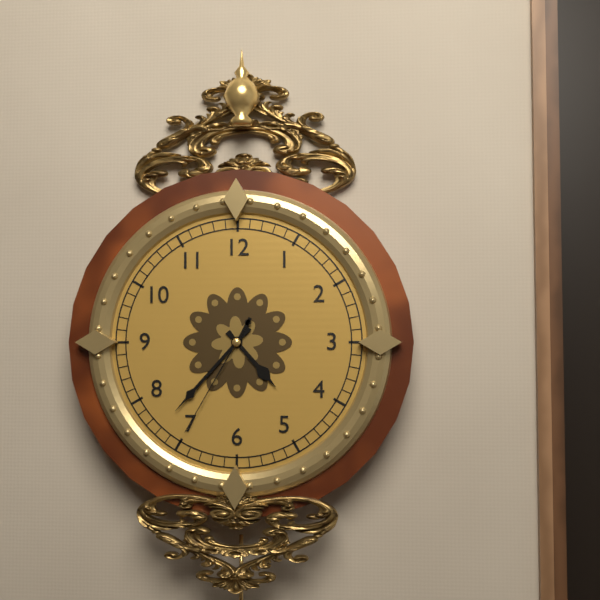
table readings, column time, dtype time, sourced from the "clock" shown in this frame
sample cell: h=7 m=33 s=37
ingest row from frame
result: h=4 m=37 s=35
